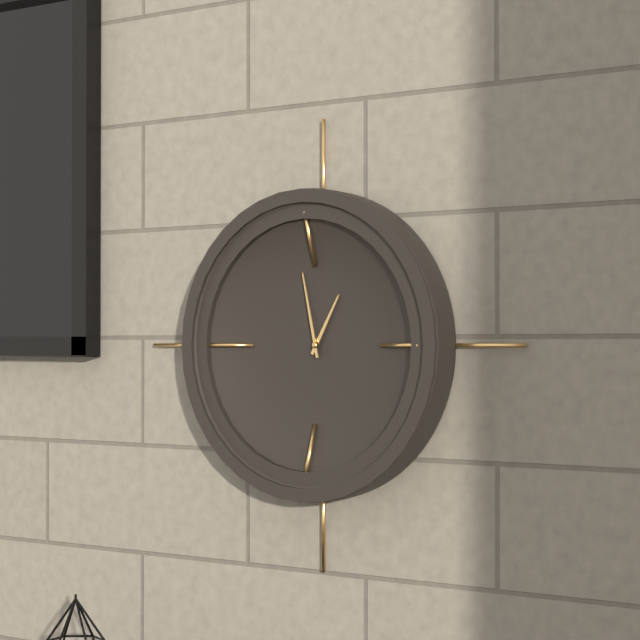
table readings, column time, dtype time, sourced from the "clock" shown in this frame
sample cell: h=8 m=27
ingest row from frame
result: h=12 m=58
